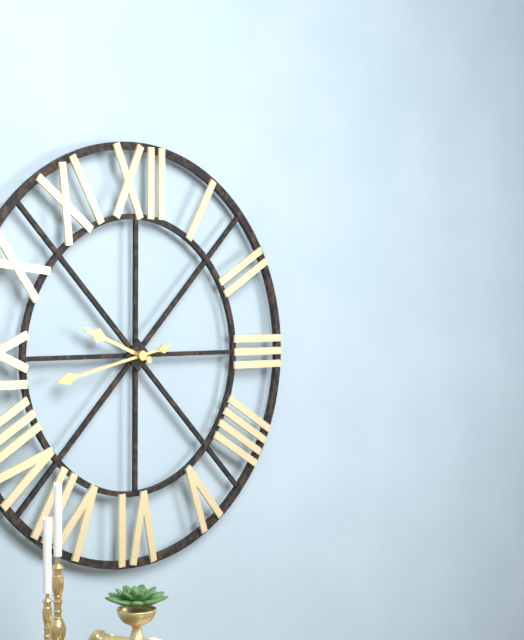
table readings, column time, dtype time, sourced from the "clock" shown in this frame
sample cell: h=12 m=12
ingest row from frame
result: h=9 m=43
